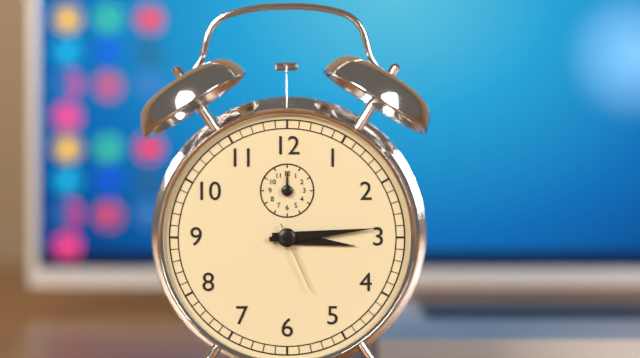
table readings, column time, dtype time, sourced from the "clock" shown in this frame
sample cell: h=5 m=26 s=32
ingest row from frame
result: h=3 m=14 s=26
